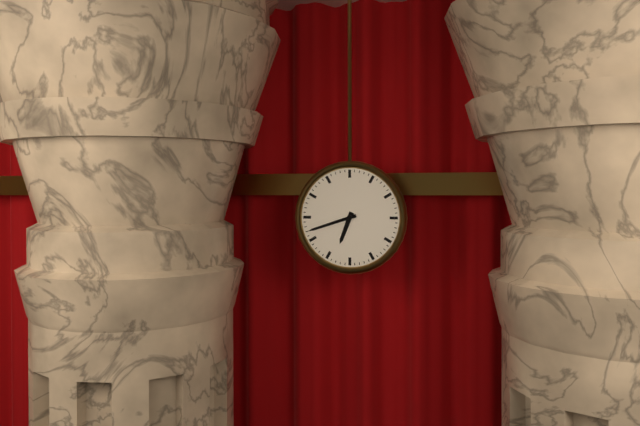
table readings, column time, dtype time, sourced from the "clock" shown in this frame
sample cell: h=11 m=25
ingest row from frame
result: h=6 m=42
